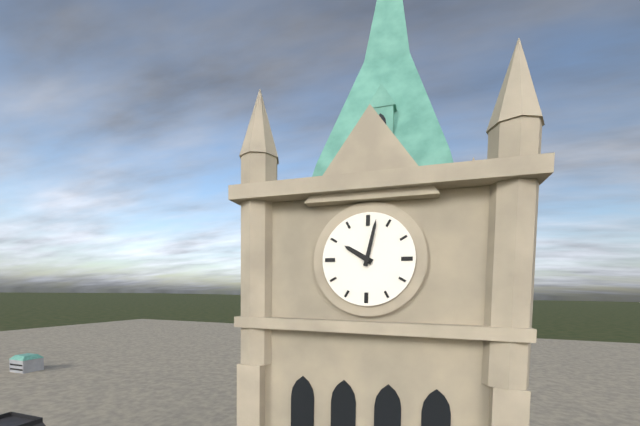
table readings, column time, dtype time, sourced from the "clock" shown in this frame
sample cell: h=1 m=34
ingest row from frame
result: h=10 m=2
